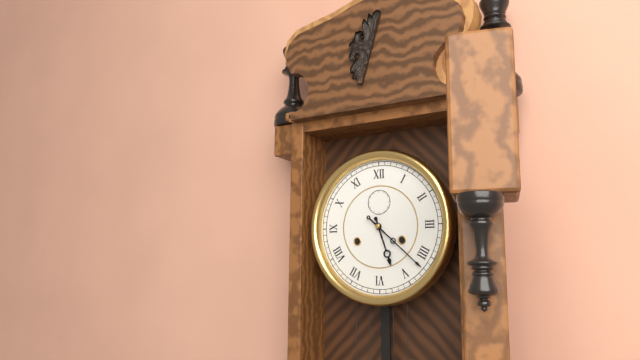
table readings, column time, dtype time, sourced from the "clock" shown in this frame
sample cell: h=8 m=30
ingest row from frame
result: h=5 m=22
